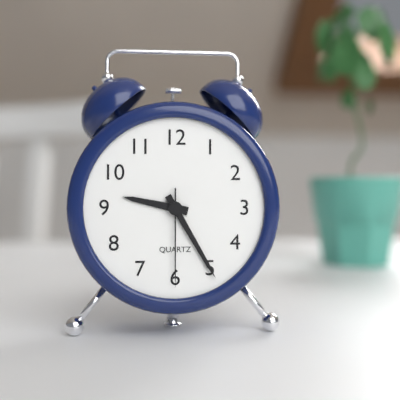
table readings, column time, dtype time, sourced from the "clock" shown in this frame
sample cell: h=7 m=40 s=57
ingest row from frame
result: h=9 m=25 s=30
